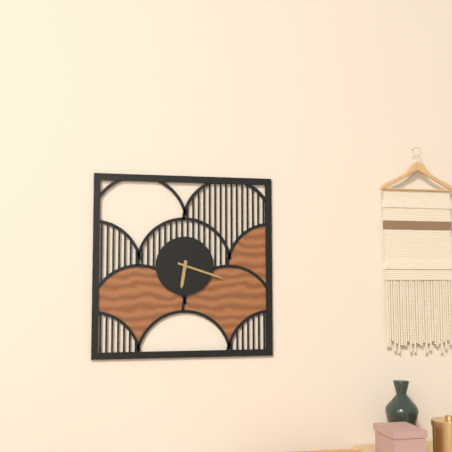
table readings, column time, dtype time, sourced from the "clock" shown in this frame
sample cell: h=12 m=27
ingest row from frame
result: h=6 m=18
